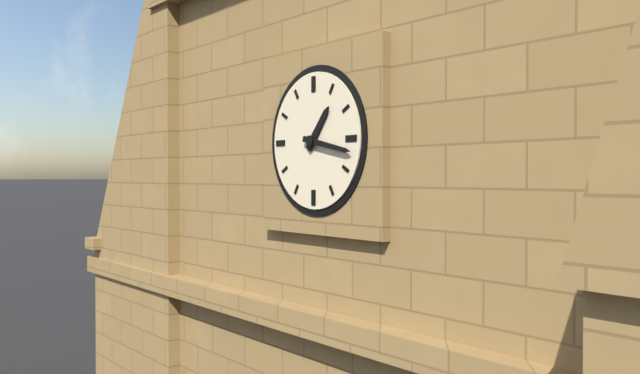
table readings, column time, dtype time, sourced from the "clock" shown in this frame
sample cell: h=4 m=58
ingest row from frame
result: h=1 m=17
